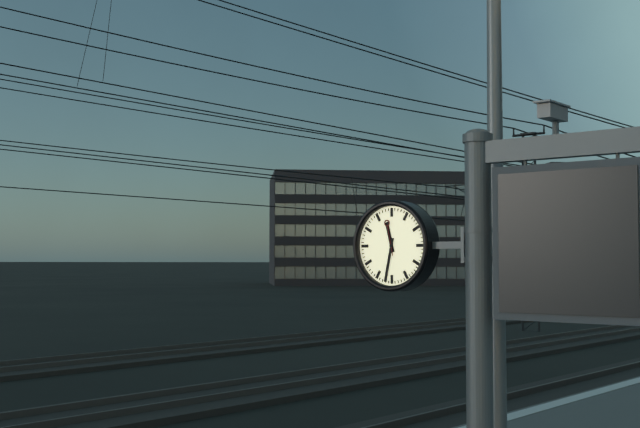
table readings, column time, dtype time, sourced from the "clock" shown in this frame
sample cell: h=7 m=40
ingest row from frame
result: h=11 m=32
